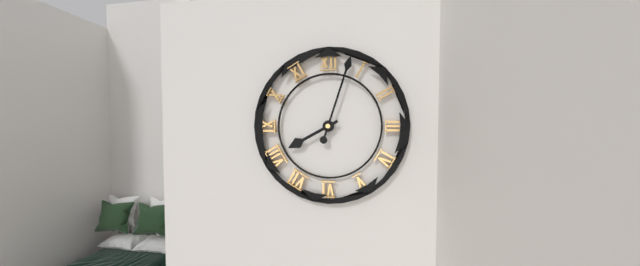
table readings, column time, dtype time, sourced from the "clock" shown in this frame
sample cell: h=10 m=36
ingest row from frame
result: h=8 m=3
